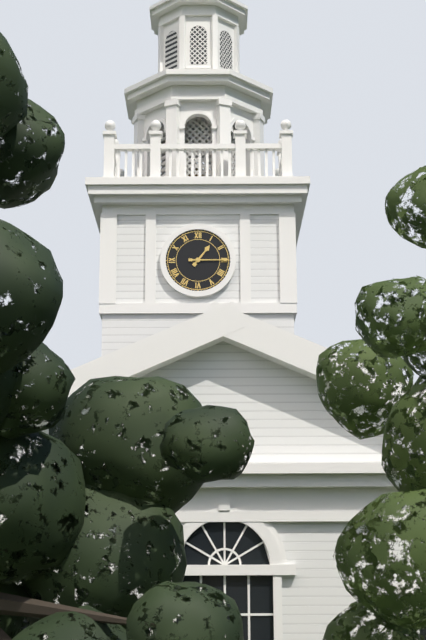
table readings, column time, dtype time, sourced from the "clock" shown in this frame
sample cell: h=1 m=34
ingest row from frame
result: h=1 m=15
